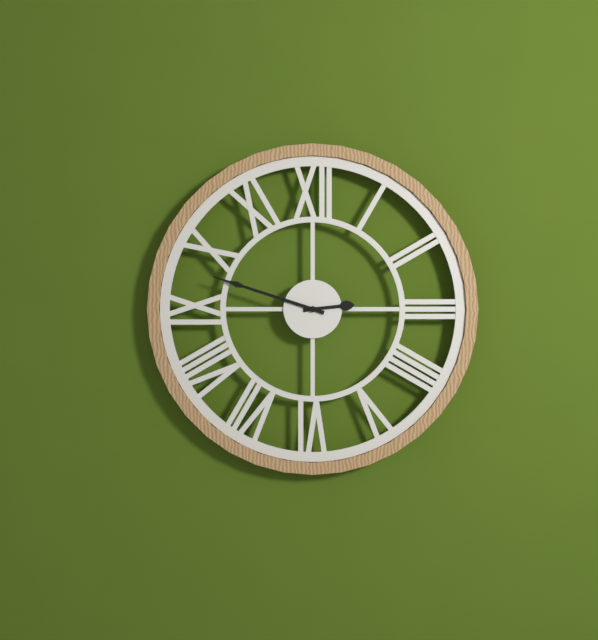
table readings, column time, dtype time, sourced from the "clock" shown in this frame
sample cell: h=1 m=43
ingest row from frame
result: h=2 m=48
